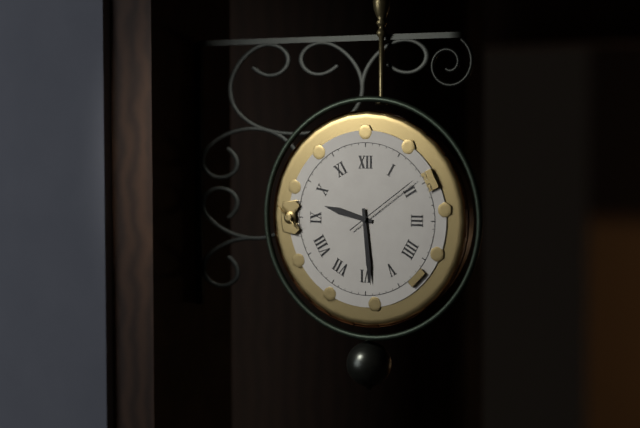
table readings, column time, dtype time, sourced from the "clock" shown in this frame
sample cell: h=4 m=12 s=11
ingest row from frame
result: h=9 m=29 s=9
